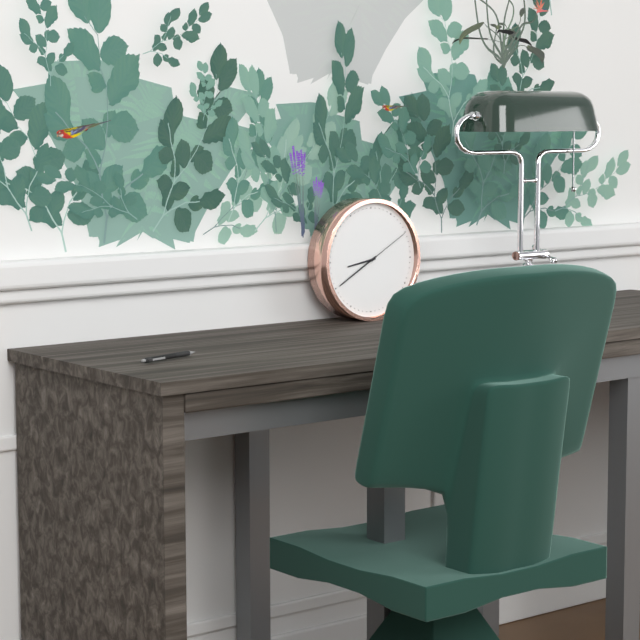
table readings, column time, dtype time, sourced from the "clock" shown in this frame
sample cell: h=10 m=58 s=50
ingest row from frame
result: h=8 m=40 s=10
